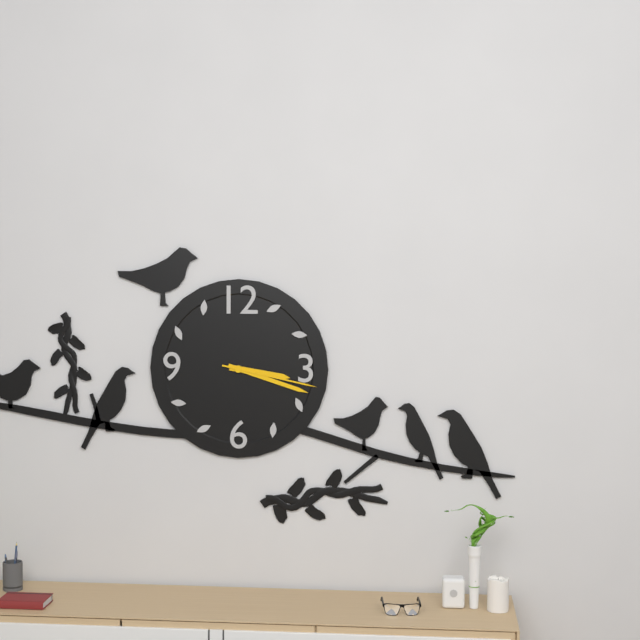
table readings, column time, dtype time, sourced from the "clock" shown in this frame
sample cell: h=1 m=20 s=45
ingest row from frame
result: h=3 m=18 s=17
